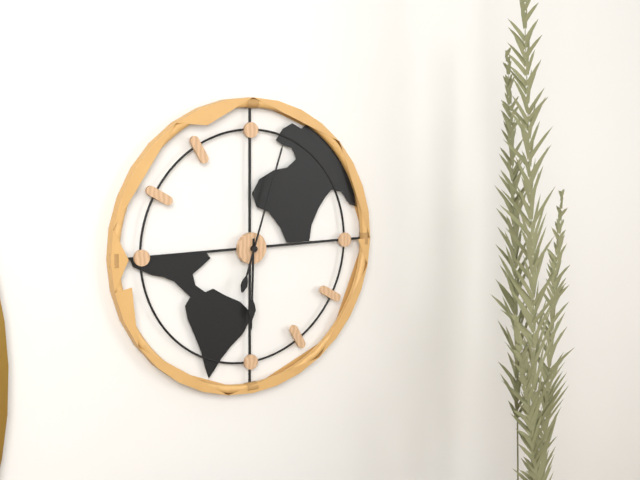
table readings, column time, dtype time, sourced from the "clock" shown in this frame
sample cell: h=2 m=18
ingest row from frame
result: h=6 m=3
